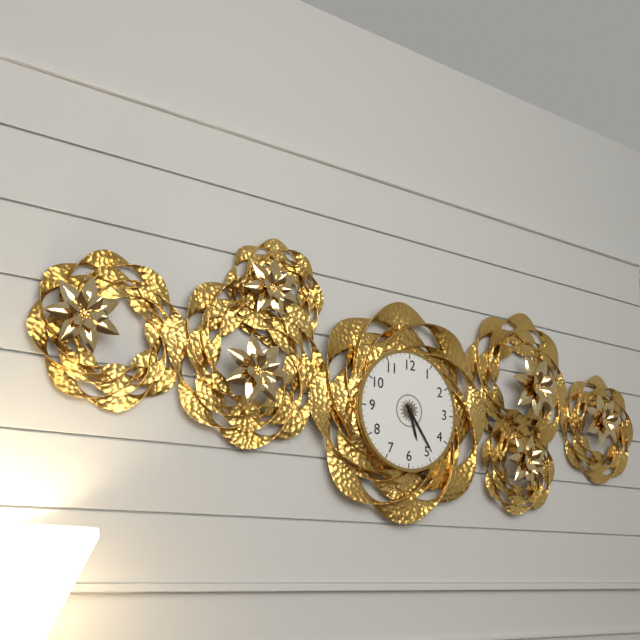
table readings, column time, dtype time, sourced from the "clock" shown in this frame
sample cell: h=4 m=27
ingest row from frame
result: h=5 m=24
